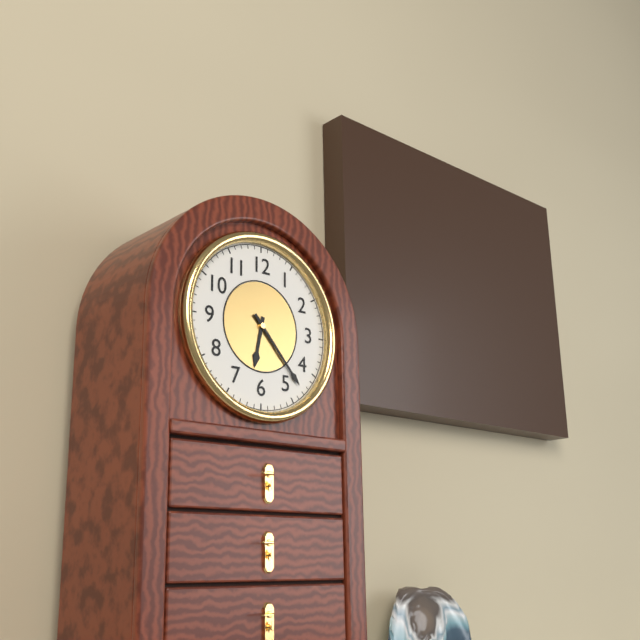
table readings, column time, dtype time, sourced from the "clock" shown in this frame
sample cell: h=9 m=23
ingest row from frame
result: h=6 m=23
